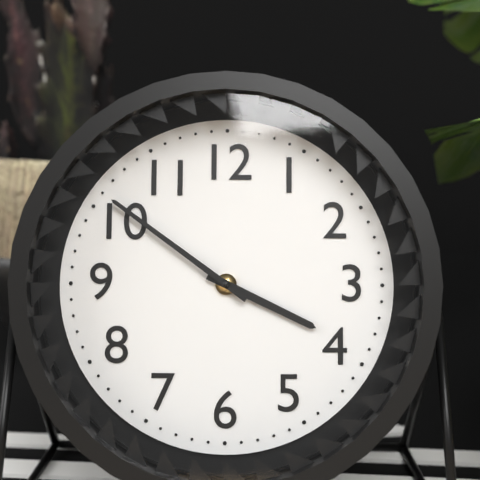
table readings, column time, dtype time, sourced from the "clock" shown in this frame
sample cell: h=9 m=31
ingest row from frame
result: h=3 m=51
